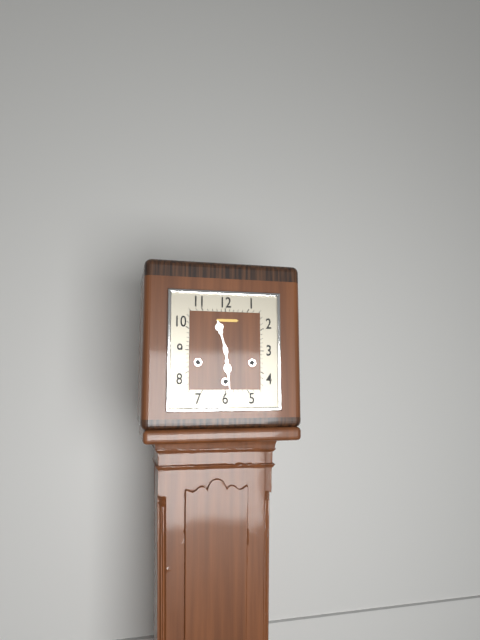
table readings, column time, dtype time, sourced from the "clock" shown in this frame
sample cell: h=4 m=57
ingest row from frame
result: h=11 m=29
